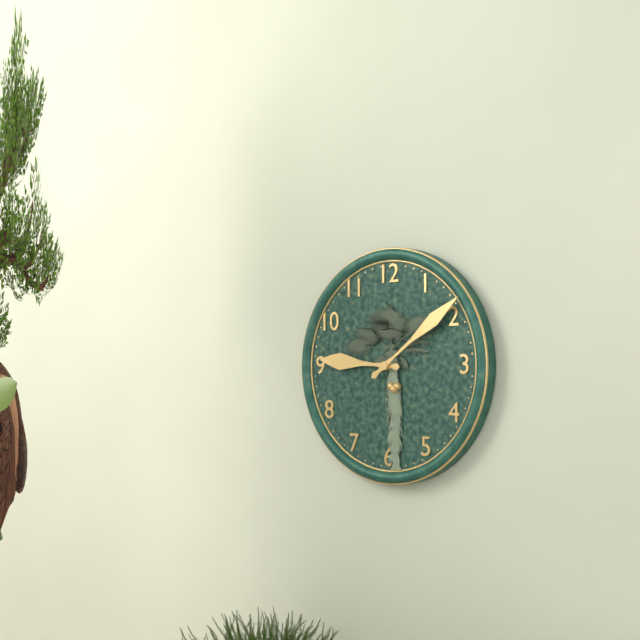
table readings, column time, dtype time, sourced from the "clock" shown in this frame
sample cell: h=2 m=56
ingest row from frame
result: h=9 m=9
